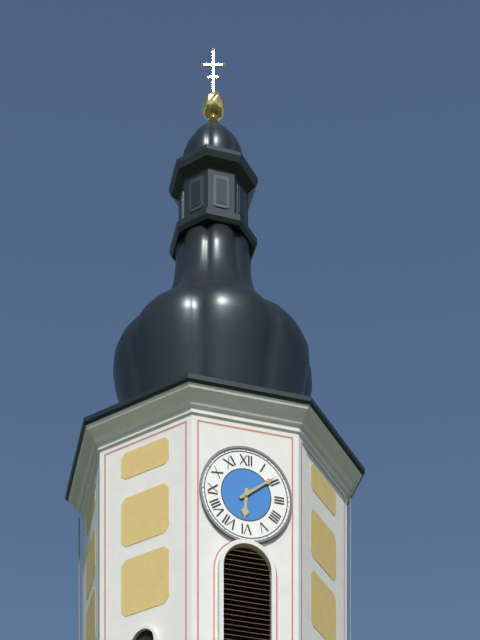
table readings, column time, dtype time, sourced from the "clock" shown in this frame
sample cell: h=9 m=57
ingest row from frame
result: h=6 m=9
